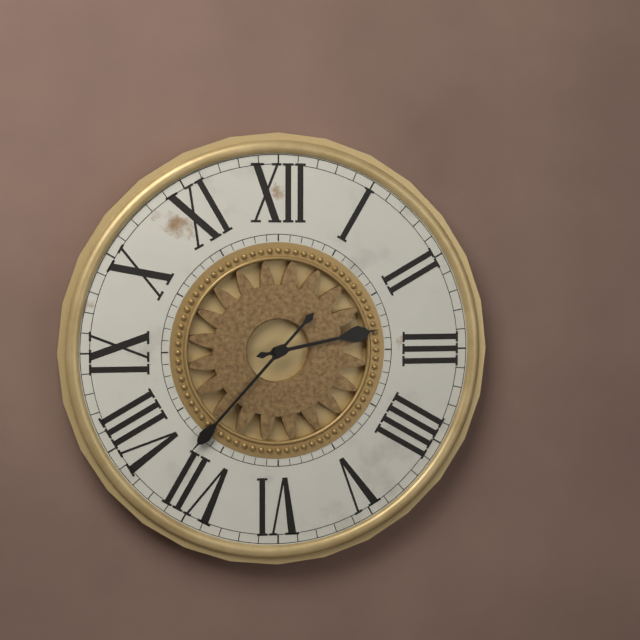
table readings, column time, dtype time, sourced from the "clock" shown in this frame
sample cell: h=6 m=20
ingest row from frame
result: h=2 m=37
